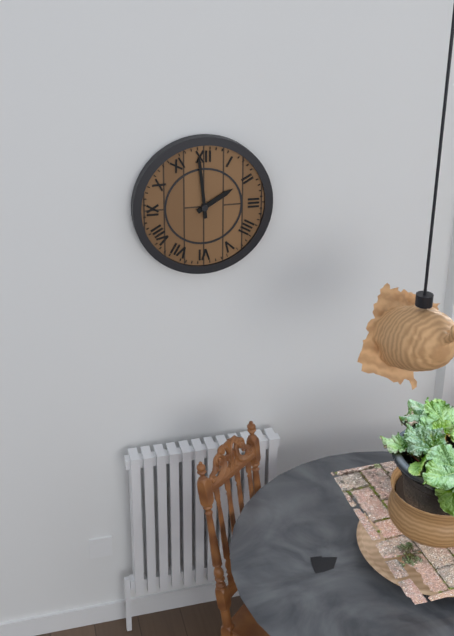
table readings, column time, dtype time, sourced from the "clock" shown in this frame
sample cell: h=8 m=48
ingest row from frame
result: h=1 m=59
